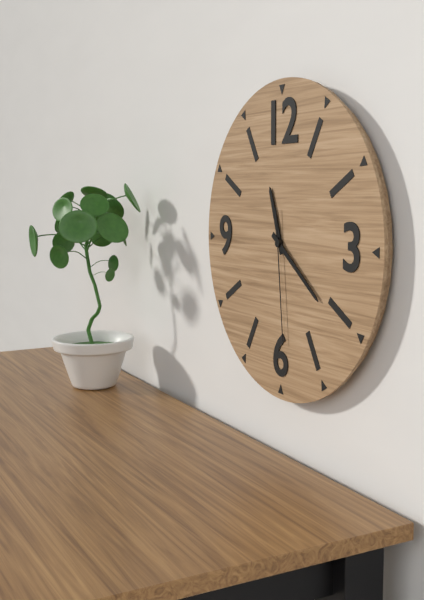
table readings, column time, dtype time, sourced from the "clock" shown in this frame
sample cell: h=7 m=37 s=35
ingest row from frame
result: h=11 m=21 s=29
